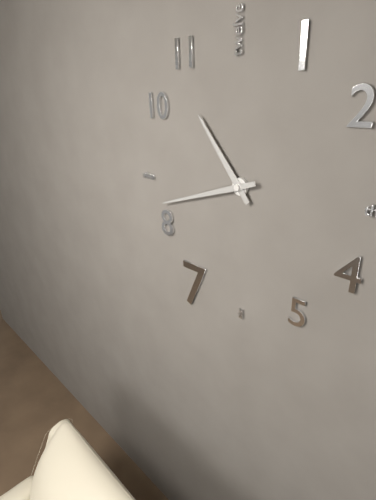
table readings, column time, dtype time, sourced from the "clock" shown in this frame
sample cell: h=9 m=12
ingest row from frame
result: h=10 m=42
